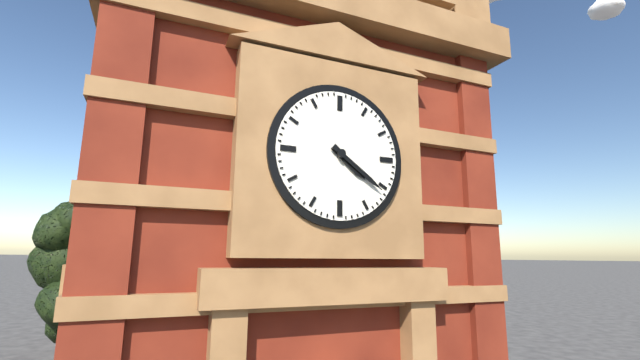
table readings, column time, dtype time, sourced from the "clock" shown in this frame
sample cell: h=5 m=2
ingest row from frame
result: h=4 m=21
